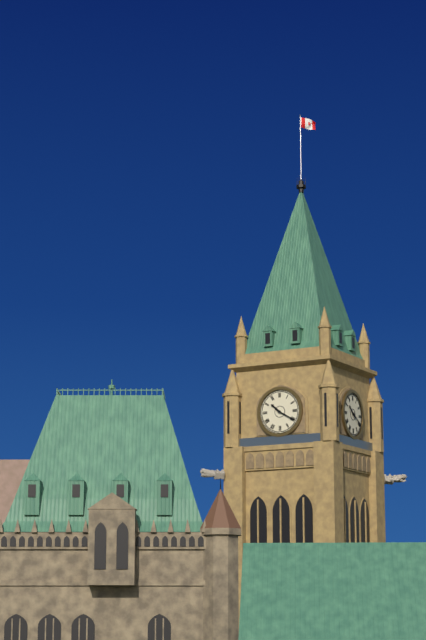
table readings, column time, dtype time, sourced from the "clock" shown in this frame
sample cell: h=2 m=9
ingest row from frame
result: h=10 m=20
